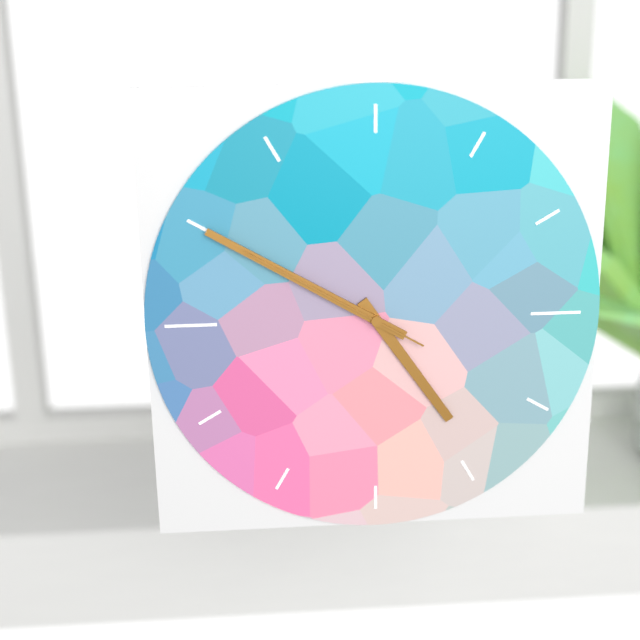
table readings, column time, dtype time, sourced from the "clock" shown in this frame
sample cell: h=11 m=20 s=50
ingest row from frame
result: h=4 m=50 s=50
